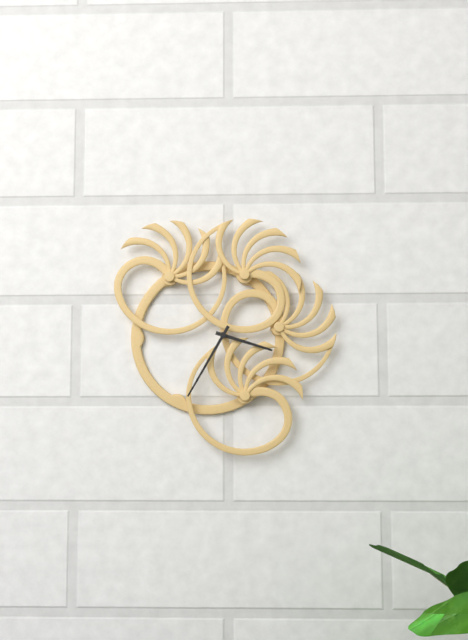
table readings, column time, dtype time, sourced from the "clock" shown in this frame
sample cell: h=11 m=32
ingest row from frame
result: h=3 m=35
